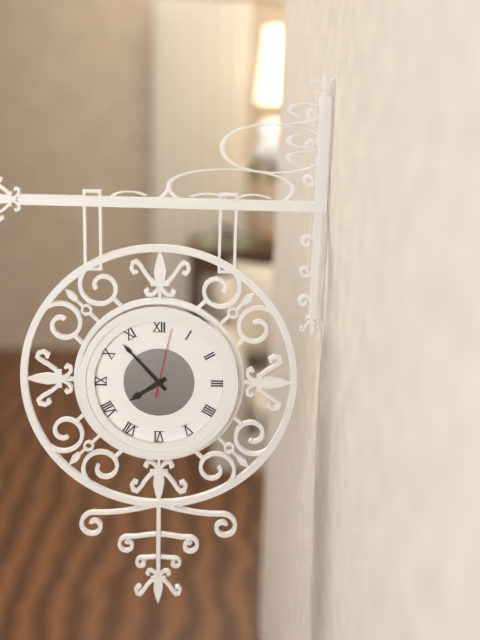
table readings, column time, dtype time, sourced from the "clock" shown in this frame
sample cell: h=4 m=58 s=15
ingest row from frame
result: h=7 m=53 s=2
